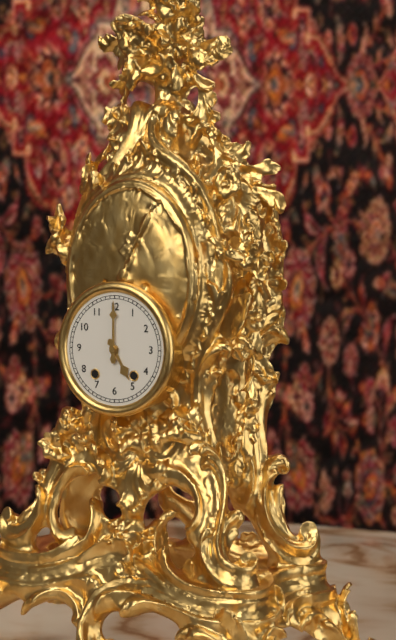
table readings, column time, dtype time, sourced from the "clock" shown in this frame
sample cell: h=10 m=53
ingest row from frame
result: h=5 m=0
